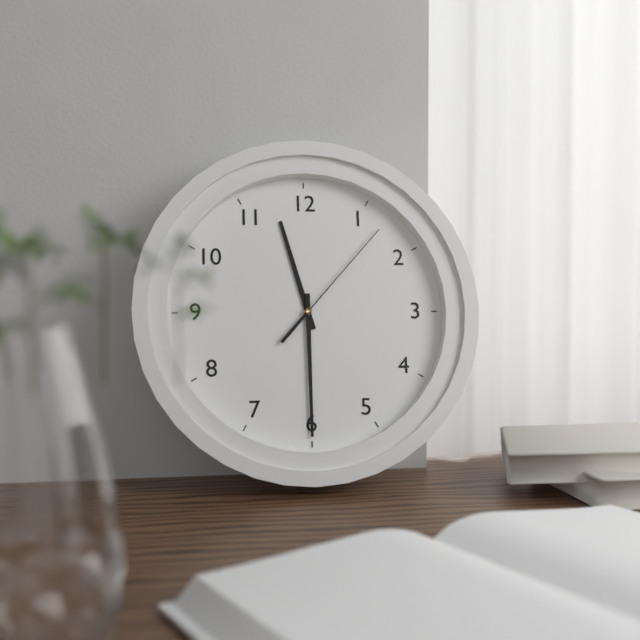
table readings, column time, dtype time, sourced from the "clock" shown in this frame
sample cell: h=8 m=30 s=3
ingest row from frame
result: h=11 m=30 s=7
